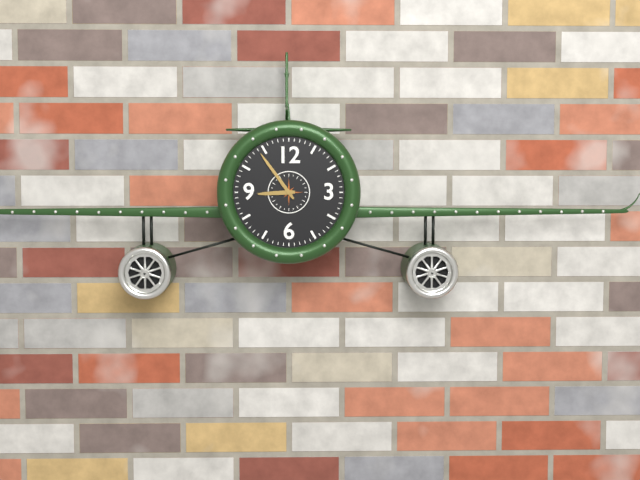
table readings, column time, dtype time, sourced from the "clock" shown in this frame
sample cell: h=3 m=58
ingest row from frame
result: h=8 m=54
